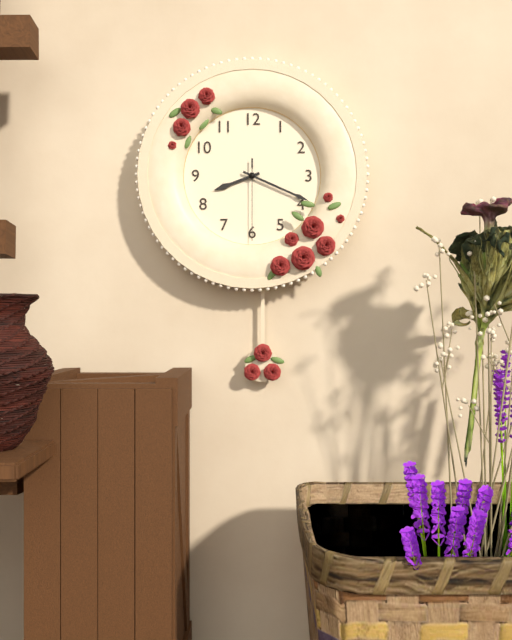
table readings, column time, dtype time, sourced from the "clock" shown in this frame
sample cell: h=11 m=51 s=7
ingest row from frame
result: h=8 m=19 s=30
